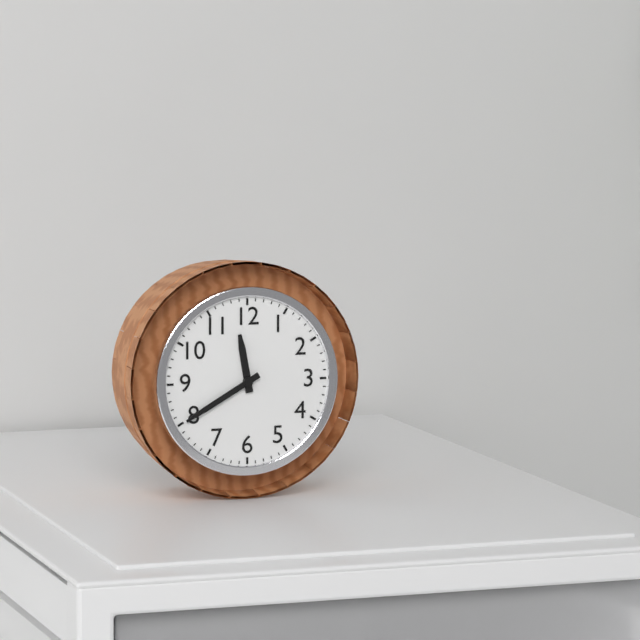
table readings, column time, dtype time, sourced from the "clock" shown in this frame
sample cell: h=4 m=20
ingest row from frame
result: h=11 m=40
